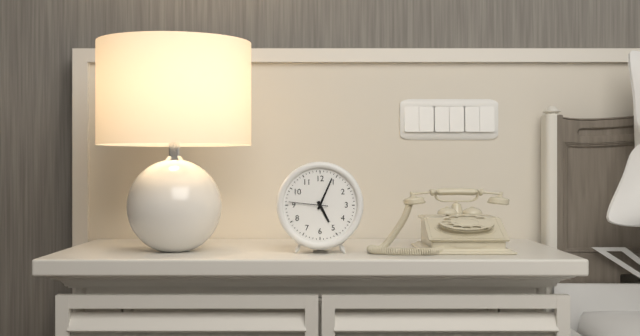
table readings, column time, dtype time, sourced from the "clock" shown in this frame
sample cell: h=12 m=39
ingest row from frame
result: h=5 m=4
